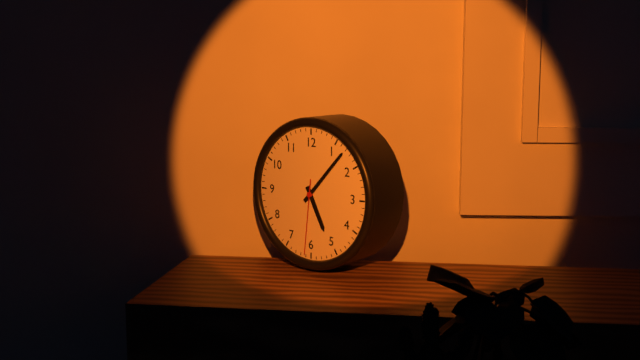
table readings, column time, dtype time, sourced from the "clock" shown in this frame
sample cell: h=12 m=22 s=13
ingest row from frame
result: h=5 m=7 s=31
